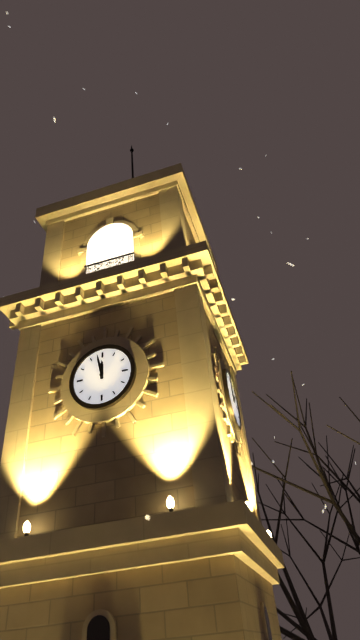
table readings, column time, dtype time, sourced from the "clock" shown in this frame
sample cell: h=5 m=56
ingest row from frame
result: h=11 m=58
